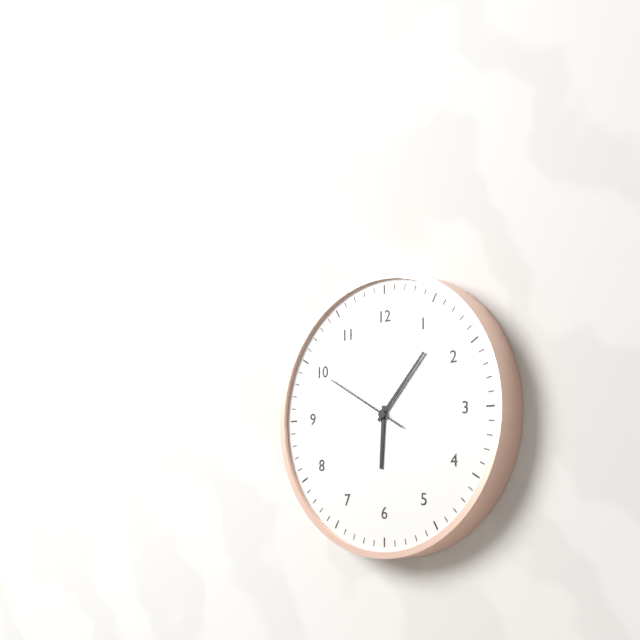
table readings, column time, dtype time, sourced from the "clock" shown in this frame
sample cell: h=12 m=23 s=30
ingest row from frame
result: h=6 m=7 s=50
